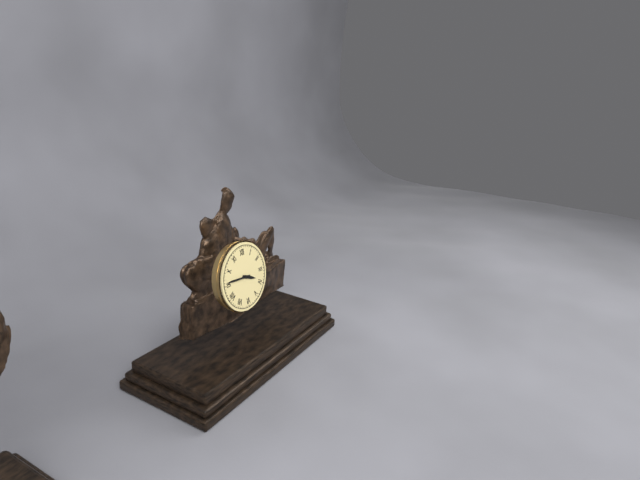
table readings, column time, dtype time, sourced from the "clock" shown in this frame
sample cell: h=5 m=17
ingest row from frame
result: h=3 m=46
